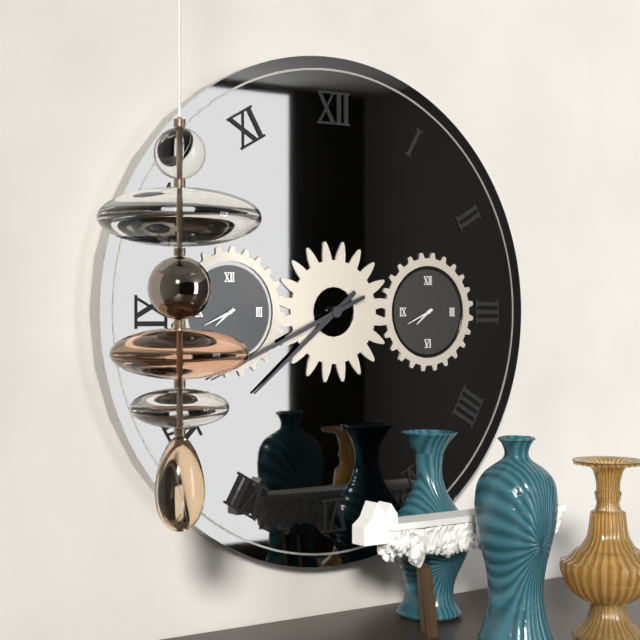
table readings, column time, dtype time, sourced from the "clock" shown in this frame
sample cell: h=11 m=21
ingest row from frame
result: h=7 m=41
